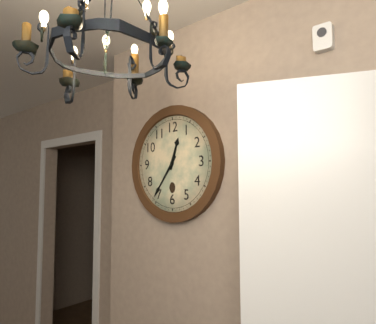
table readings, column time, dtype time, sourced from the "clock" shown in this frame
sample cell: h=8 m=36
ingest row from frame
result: h=12 m=36
